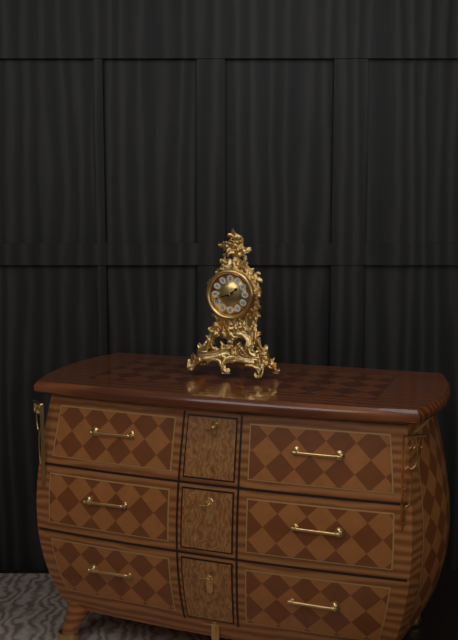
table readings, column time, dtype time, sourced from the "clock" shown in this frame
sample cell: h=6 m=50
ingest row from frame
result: h=1 m=42
